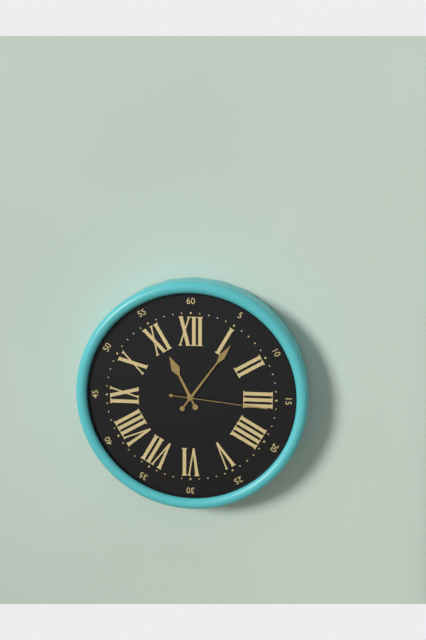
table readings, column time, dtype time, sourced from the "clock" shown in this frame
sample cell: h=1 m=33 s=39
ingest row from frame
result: h=11 m=6 s=16
